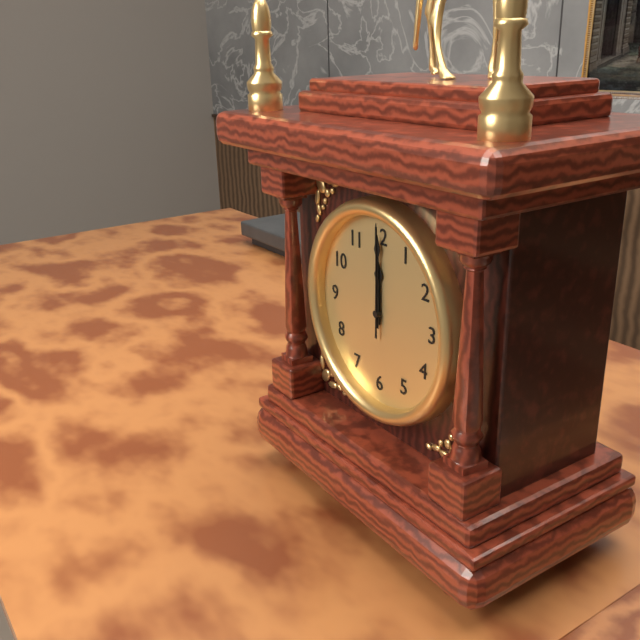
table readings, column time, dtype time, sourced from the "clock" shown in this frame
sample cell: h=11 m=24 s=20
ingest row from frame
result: h=12 m=0 s=0
